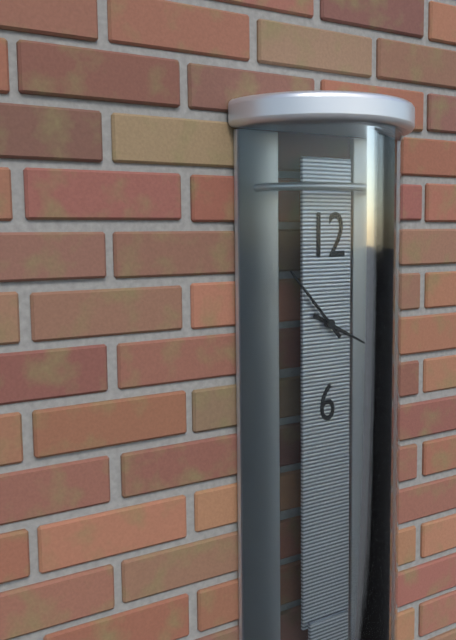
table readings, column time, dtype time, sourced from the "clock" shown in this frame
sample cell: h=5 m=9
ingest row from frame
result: h=3 m=53
